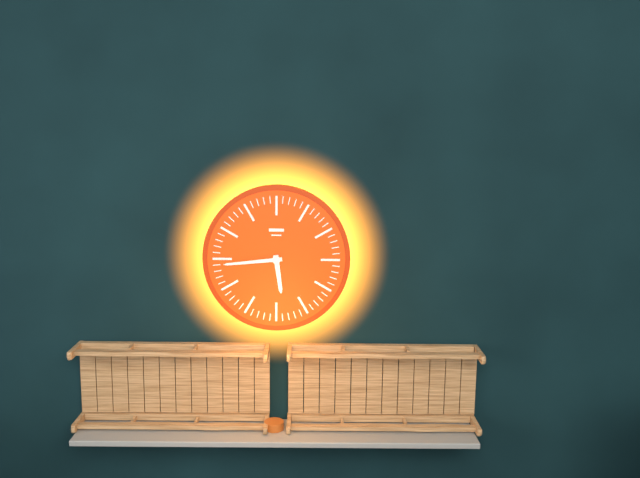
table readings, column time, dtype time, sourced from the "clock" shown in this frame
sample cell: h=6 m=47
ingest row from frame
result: h=5 m=44
